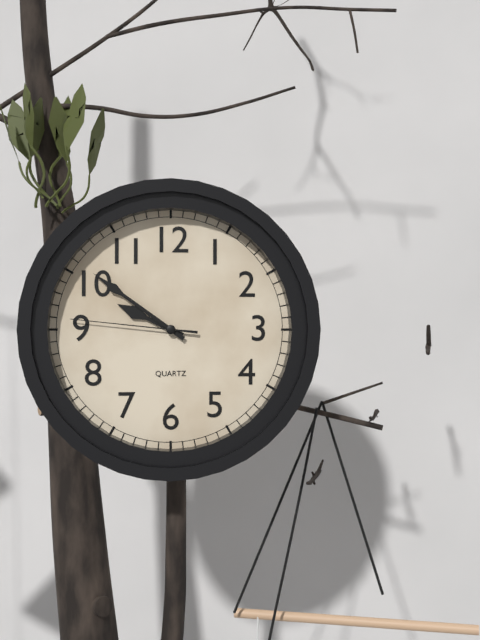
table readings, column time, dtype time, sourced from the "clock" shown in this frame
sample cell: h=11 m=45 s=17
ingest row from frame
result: h=9 m=51 s=46
